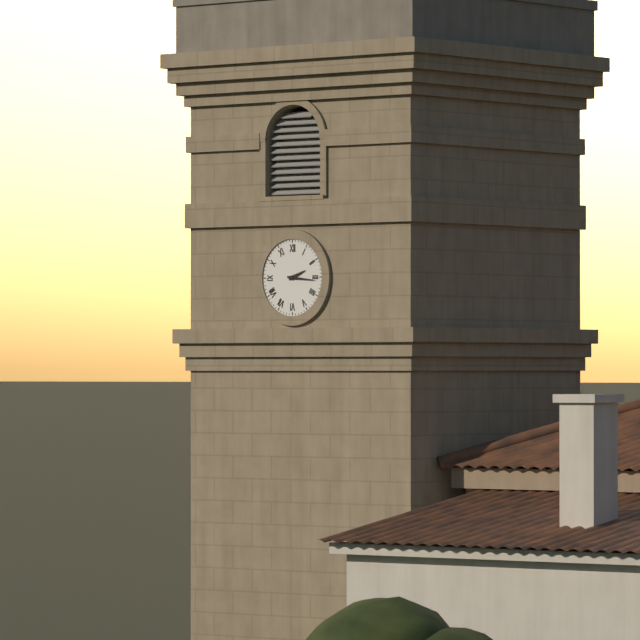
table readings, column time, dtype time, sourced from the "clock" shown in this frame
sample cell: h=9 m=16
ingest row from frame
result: h=2 m=16
